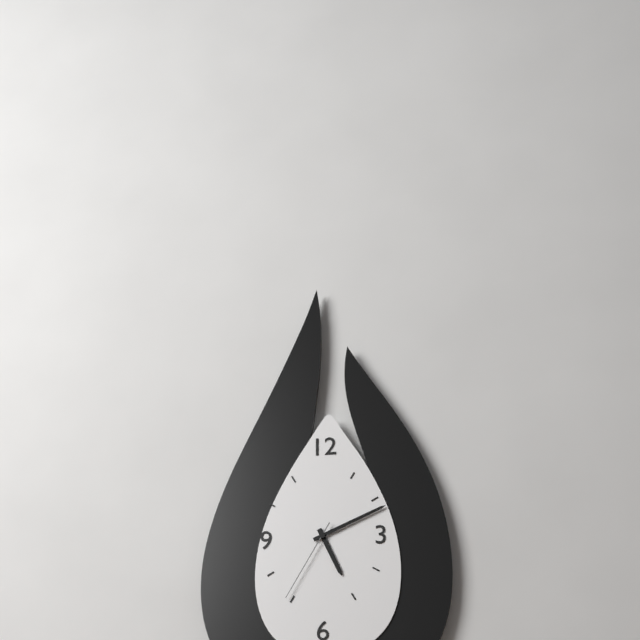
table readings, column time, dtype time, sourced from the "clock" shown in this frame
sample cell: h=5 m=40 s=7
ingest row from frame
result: h=5 m=11 s=35
